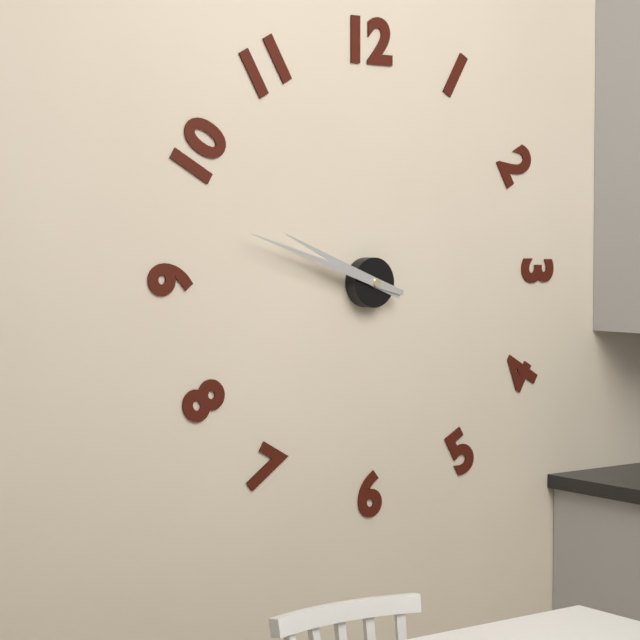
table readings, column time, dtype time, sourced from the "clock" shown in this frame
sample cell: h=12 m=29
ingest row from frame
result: h=9 m=48
